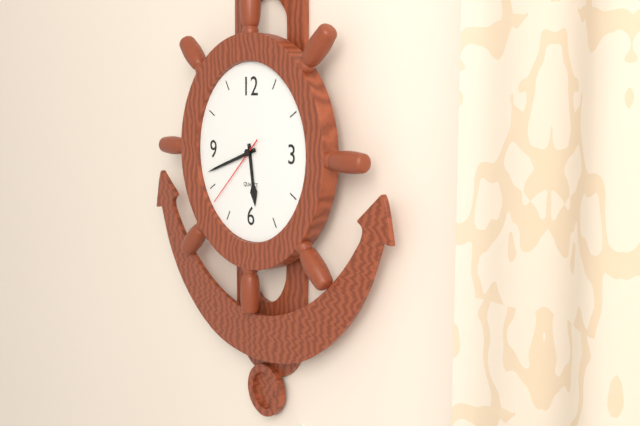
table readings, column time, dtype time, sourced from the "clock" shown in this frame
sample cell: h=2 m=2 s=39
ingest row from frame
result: h=5 m=42 s=38
